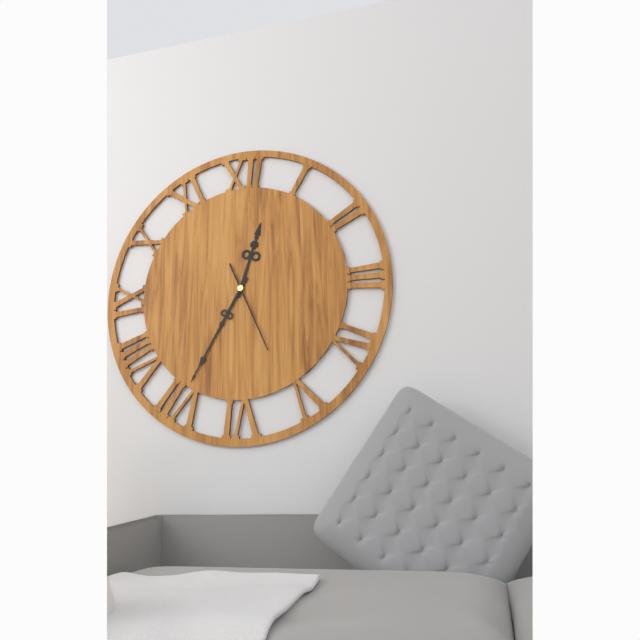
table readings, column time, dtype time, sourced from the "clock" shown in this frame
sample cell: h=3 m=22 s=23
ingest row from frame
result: h=12 m=35 s=26
